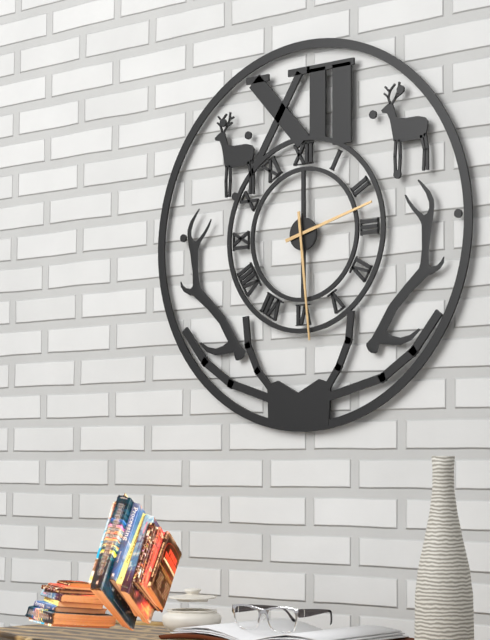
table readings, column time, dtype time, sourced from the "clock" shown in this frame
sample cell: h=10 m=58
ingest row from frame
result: h=2 m=29
